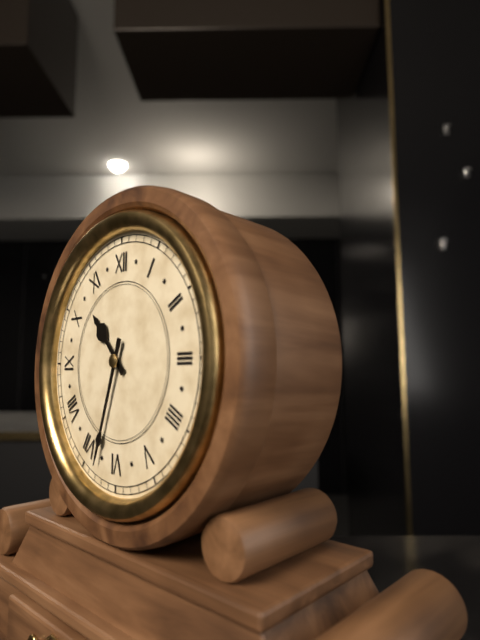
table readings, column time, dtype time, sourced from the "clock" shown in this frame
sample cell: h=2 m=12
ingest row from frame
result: h=10 m=33
